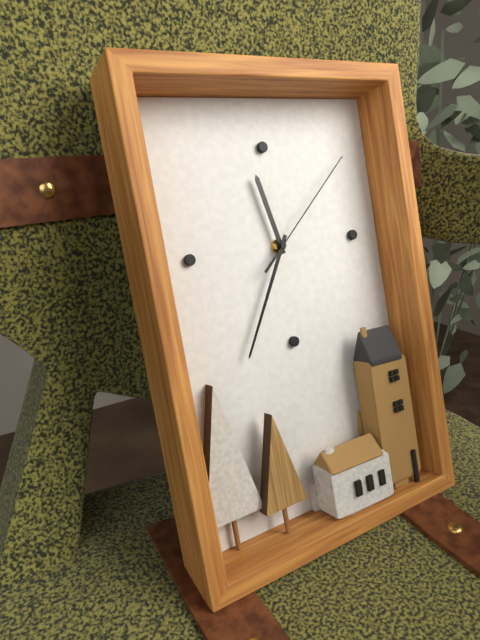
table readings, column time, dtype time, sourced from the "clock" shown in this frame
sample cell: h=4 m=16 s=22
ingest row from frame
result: h=11 m=35 s=8
